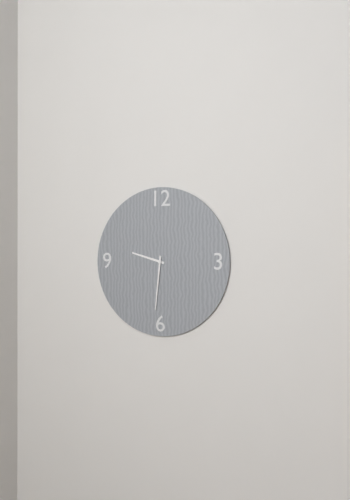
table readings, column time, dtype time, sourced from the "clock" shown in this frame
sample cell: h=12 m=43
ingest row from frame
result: h=9 m=31
